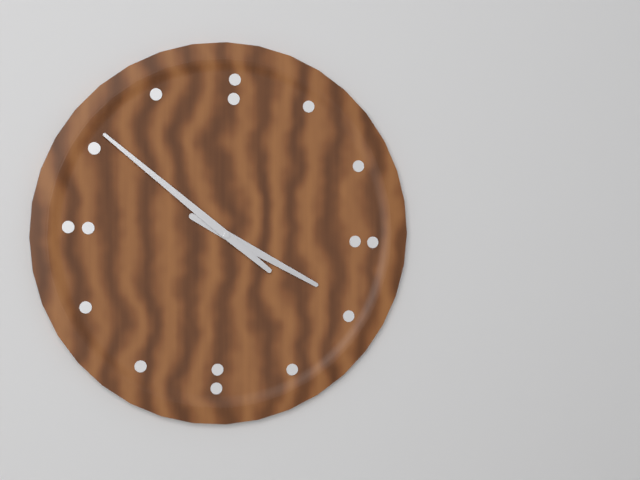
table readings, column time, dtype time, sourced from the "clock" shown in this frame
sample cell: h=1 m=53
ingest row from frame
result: h=3 m=51
